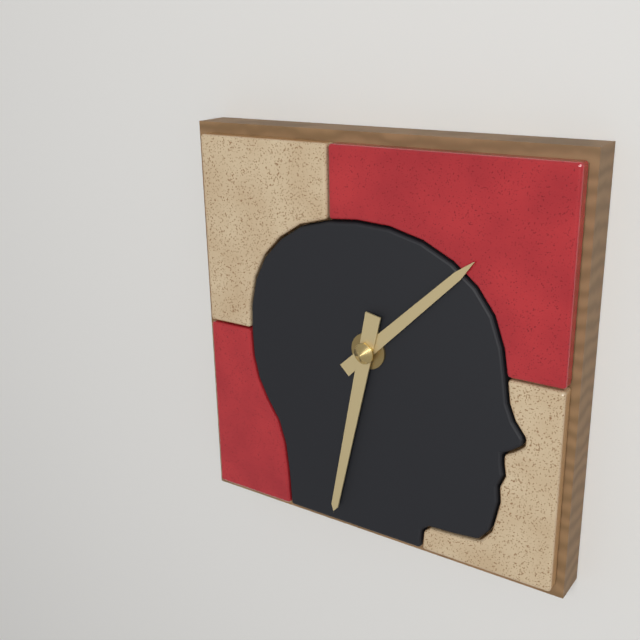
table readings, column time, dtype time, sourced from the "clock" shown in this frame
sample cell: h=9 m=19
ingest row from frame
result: h=1 m=32
